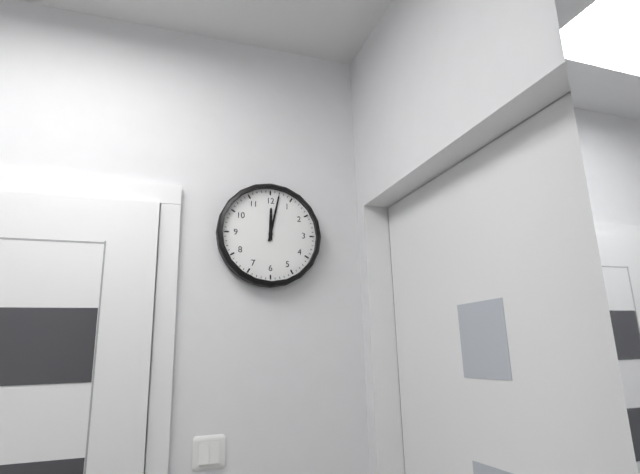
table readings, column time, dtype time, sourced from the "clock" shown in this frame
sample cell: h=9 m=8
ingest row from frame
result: h=12 m=2
